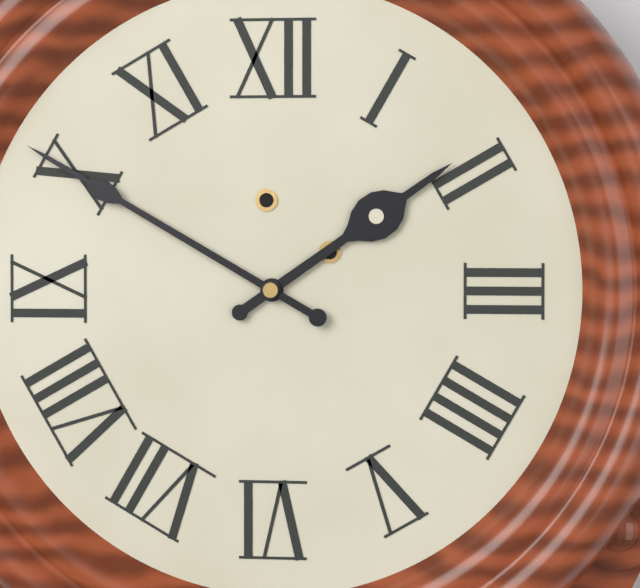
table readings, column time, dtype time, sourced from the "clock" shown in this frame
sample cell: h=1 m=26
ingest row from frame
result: h=1 m=50
